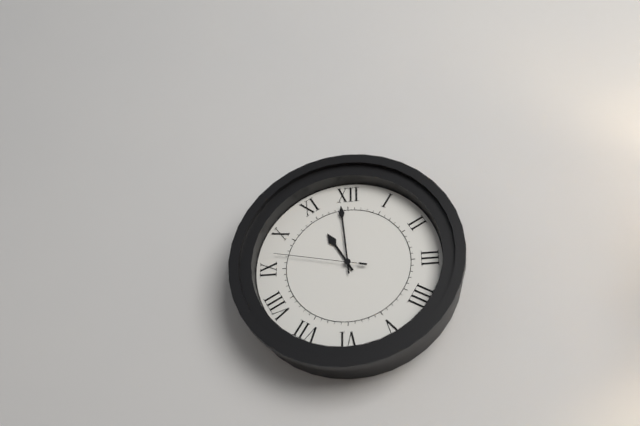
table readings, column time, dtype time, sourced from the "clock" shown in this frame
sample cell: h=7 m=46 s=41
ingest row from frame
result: h=10 m=59 s=47
